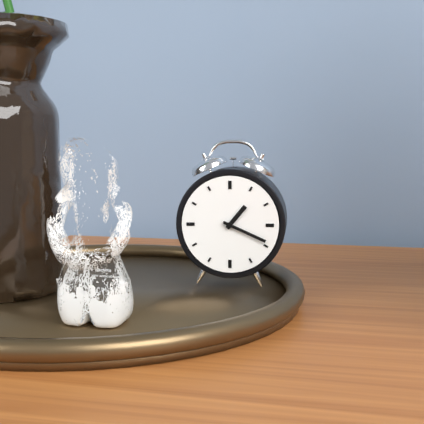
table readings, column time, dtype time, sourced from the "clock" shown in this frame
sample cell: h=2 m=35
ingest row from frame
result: h=1 m=19
